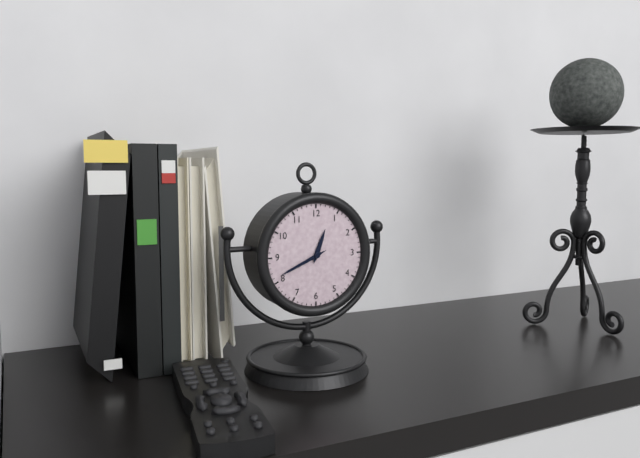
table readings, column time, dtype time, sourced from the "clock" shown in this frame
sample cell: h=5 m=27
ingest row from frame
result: h=12 m=41
